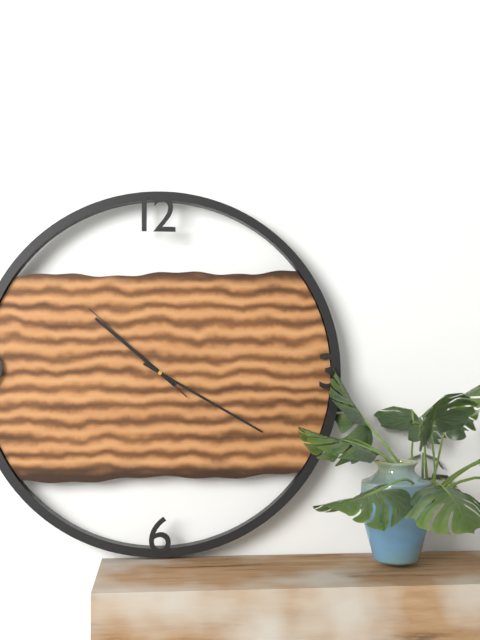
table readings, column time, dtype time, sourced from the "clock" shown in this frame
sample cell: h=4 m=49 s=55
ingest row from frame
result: h=10 m=20 s=52
